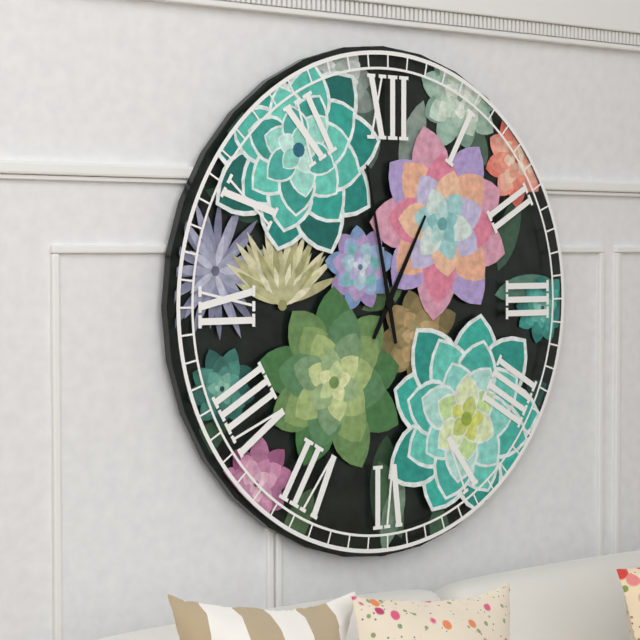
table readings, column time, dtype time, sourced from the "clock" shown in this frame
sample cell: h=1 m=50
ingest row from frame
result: h=12 m=58
